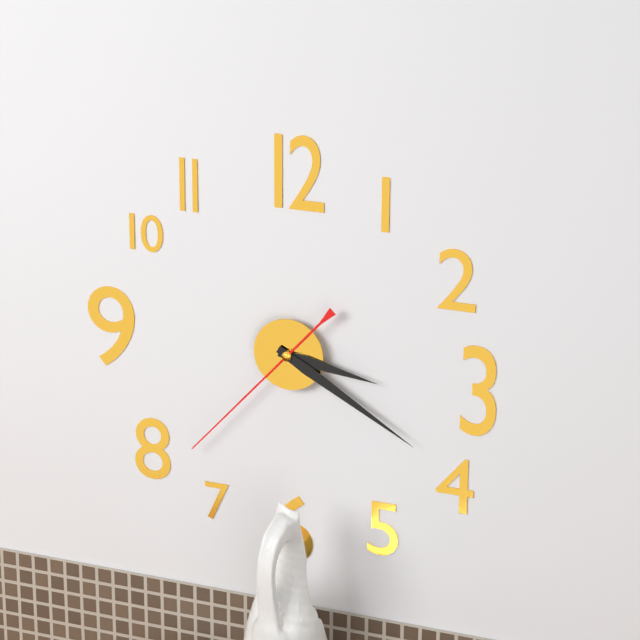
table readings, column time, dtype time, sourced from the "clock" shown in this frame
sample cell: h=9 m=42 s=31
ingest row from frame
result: h=3 m=20 s=37
